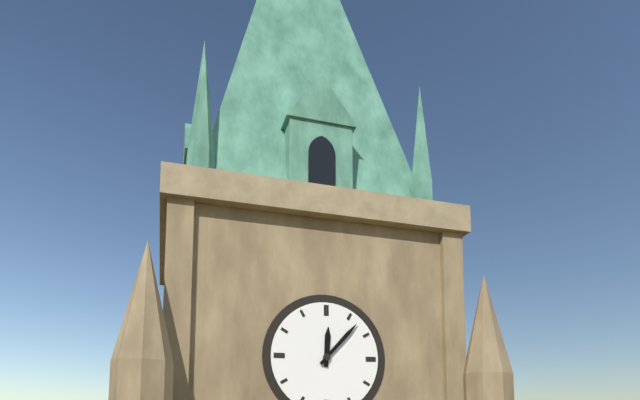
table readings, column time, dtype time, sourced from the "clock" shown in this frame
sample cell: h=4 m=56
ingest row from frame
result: h=12 m=7
